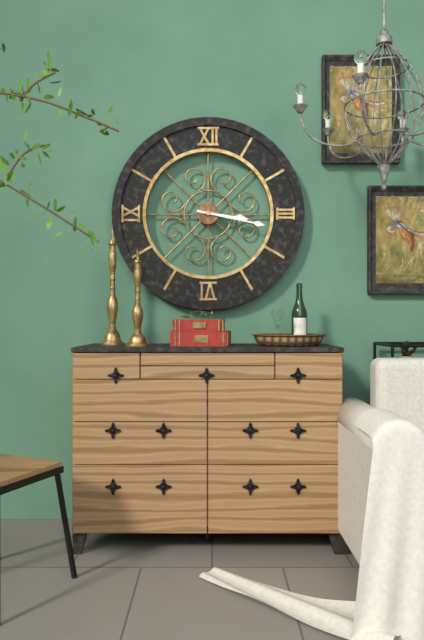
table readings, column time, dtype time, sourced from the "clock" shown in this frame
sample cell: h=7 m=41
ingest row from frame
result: h=3 m=17
